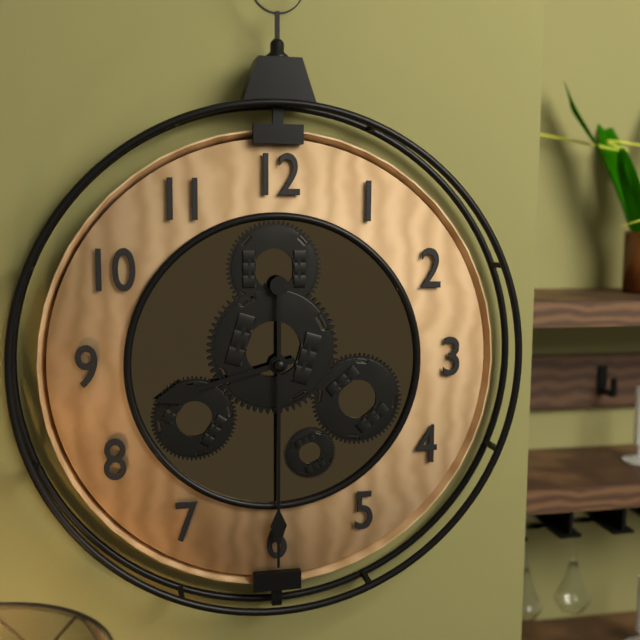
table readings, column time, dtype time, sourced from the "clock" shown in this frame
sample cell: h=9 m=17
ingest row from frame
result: h=8 m=30
